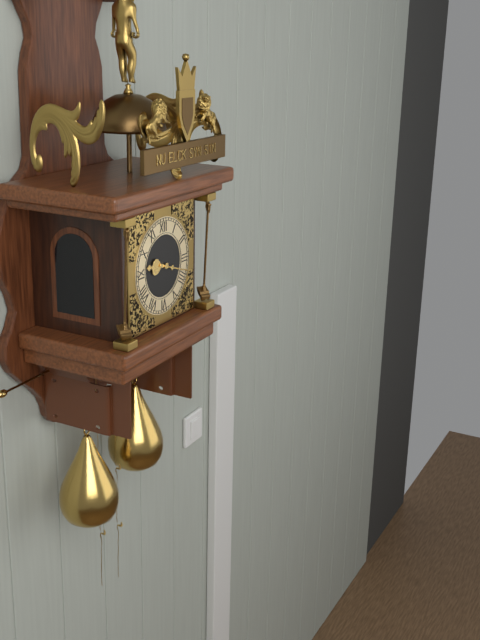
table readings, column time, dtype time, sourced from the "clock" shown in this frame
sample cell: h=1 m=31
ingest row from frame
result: h=9 m=18
